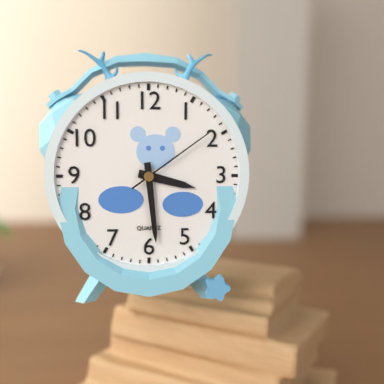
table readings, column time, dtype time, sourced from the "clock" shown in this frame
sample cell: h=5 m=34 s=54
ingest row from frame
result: h=3 m=29 s=9
